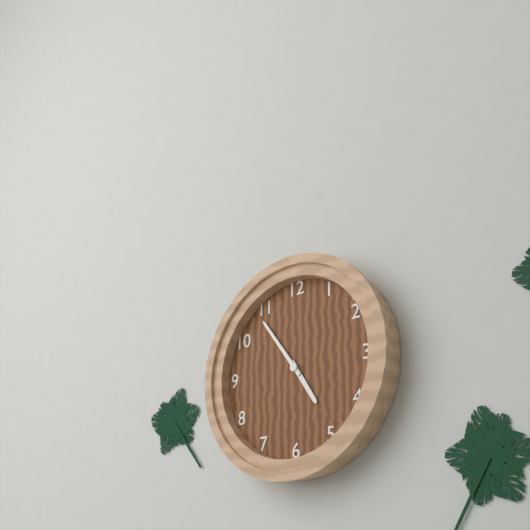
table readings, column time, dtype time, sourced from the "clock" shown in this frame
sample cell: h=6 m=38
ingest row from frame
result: h=4 m=54
